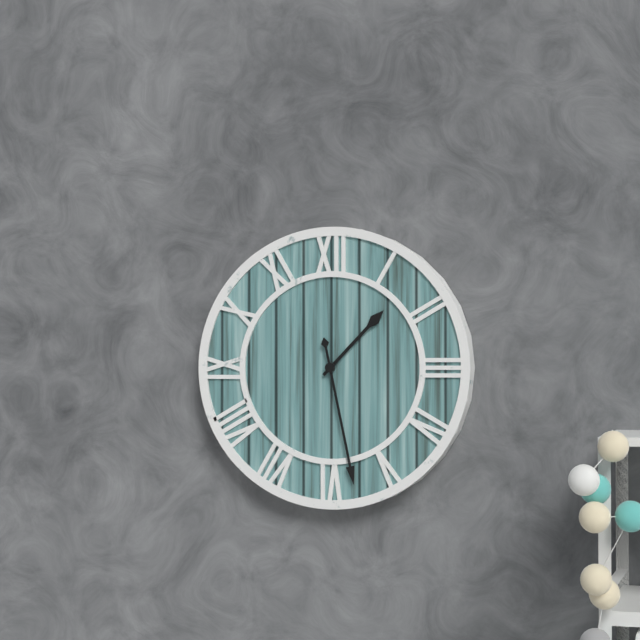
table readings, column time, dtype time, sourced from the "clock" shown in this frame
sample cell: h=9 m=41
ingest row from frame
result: h=1 m=28
